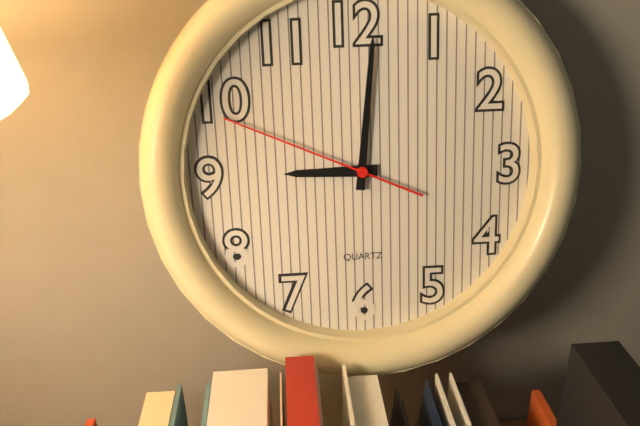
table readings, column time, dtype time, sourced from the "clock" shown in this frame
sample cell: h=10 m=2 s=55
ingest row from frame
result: h=9 m=1 s=49
